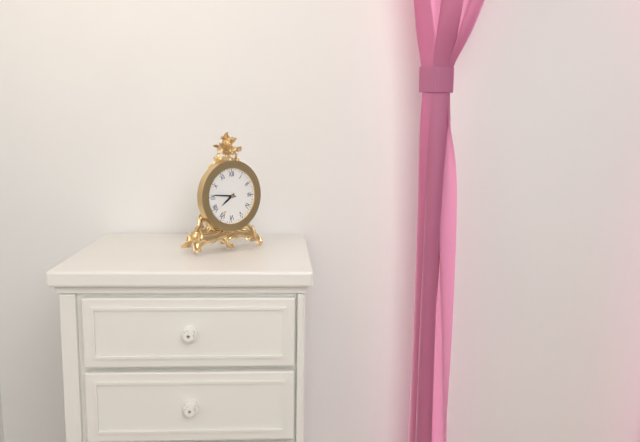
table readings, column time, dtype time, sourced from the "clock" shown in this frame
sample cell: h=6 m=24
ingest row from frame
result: h=7 m=46
